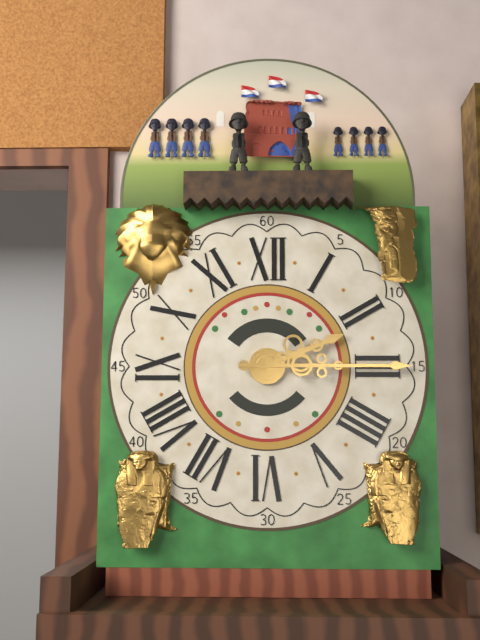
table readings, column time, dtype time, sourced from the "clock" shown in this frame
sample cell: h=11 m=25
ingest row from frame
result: h=2 m=15
